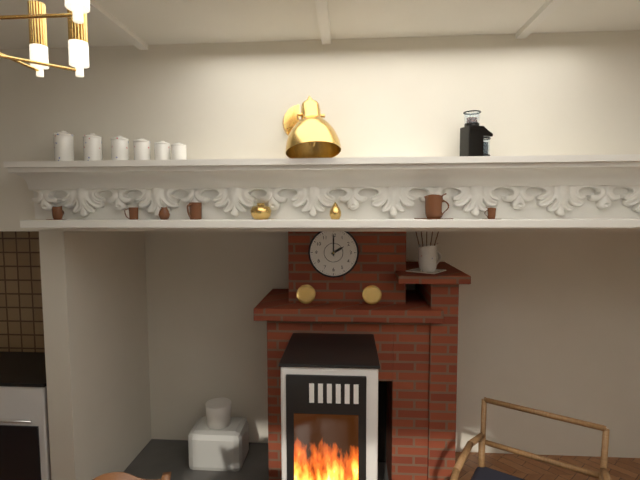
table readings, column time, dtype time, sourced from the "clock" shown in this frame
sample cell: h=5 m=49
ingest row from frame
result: h=2 m=0
